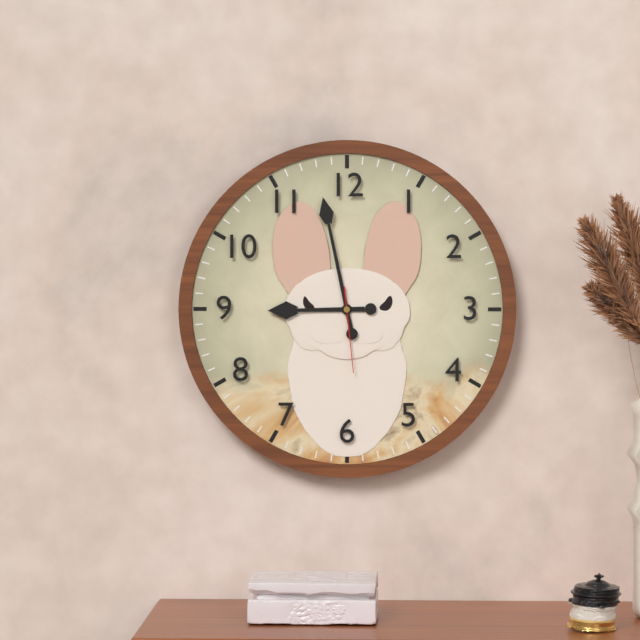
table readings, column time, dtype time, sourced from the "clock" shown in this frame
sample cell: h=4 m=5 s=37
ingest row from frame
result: h=8 m=58 s=29
